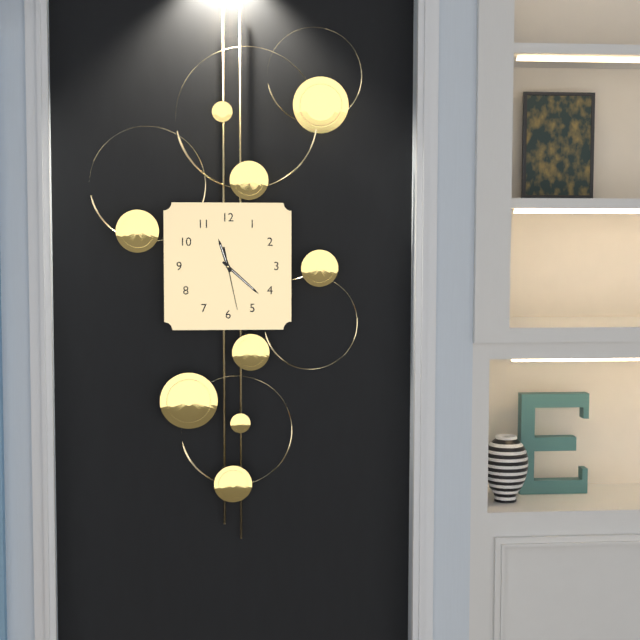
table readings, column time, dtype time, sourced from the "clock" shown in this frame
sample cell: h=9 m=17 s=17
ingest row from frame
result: h=11 m=22 s=28
